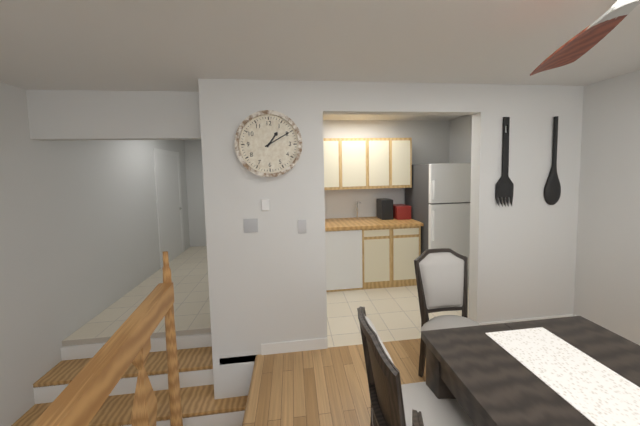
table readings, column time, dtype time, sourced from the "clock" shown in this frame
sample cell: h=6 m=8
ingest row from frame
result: h=1 m=10
